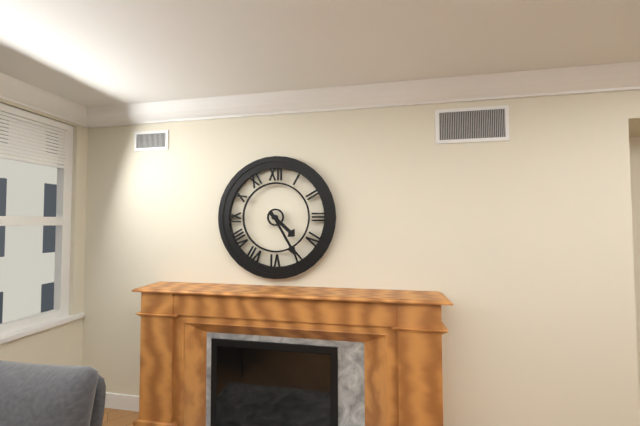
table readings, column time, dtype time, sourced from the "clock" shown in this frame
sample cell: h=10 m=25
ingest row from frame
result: h=4 m=25
